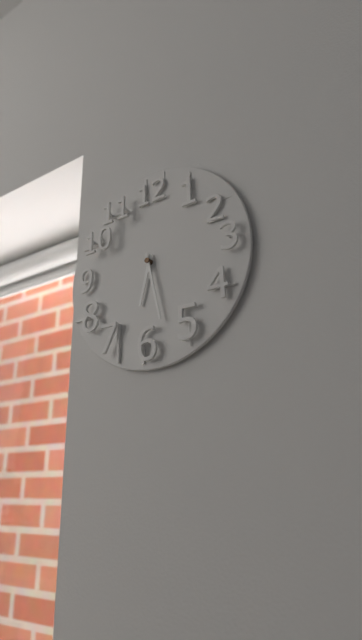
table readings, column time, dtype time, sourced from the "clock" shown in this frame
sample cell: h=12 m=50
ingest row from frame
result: h=6 m=28
